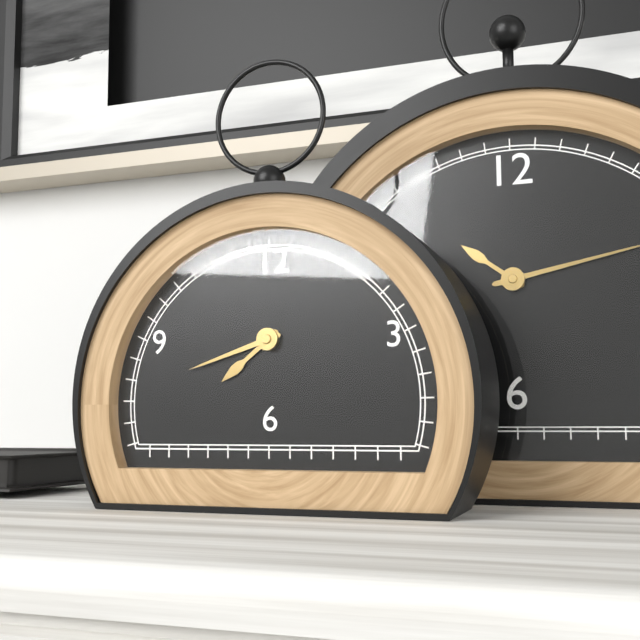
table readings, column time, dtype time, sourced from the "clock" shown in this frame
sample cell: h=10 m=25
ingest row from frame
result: h=7 m=42
